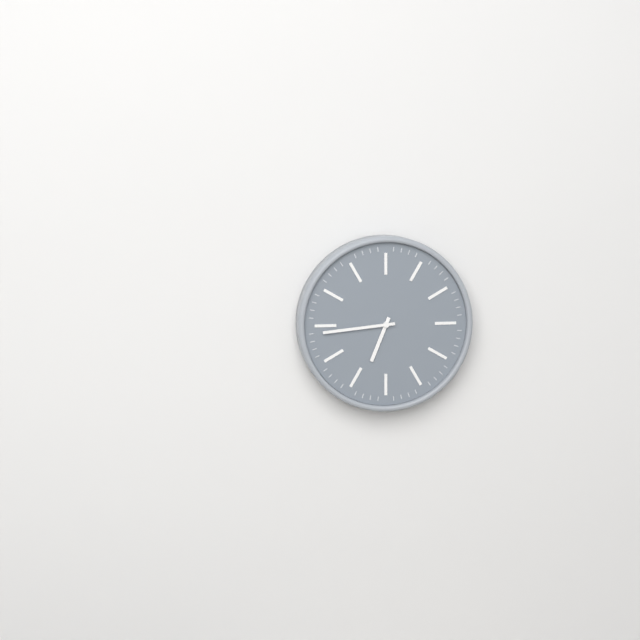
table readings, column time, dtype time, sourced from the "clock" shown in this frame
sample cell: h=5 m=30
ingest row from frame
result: h=6 m=44
